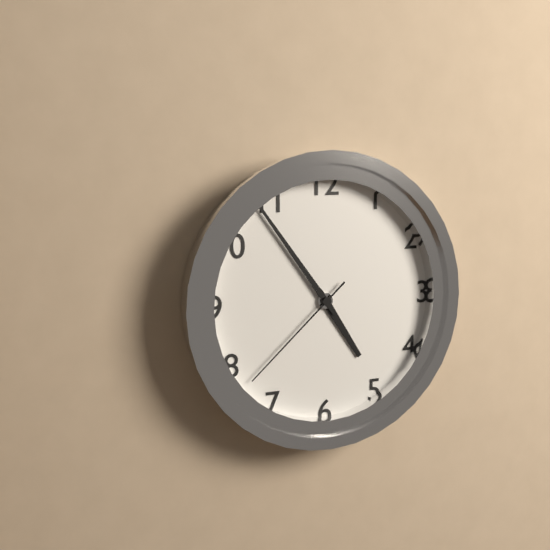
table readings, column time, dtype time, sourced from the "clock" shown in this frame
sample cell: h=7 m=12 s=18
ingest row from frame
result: h=4 m=54 s=38
